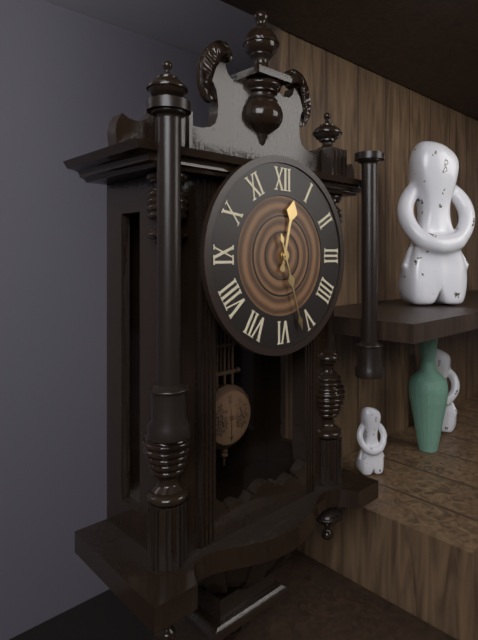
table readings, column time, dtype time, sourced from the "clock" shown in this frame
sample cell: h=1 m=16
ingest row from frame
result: h=12 m=27
